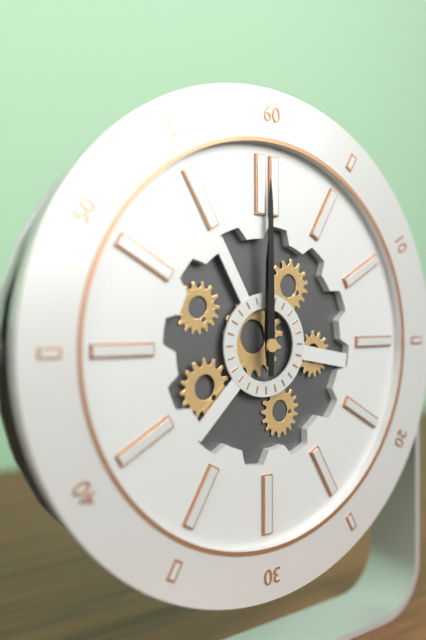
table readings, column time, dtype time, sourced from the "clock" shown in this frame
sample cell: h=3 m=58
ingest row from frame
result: h=12 m=0
